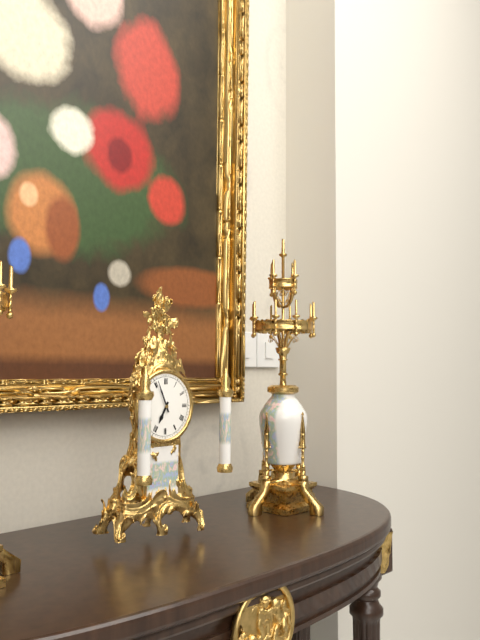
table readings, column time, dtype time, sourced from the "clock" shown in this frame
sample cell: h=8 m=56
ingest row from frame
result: h=6 m=56
